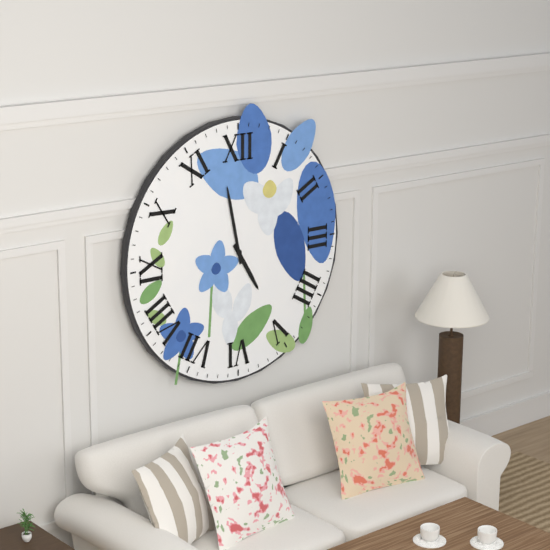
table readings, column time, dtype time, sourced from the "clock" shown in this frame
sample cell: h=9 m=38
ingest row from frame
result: h=4 m=58
